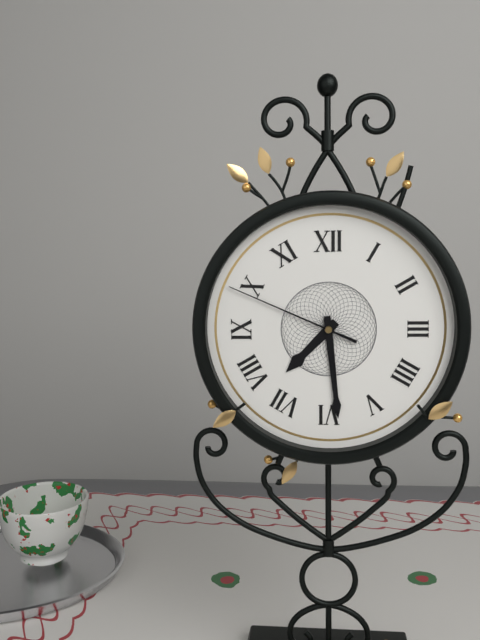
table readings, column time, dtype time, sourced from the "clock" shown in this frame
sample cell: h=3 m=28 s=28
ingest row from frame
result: h=7 m=29 s=49
